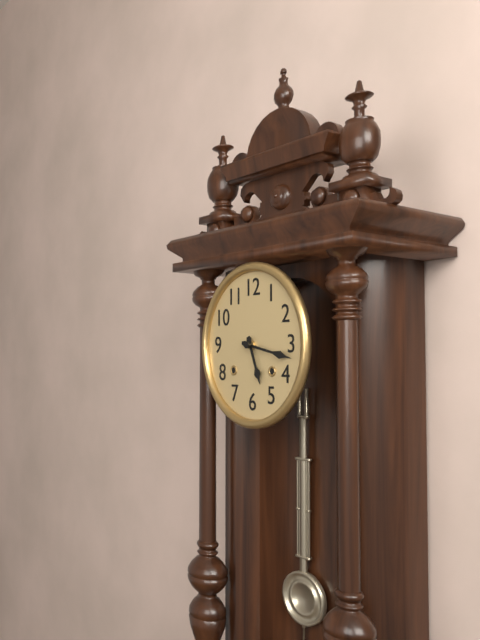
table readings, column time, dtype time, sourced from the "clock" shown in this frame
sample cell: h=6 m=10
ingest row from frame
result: h=5 m=17
